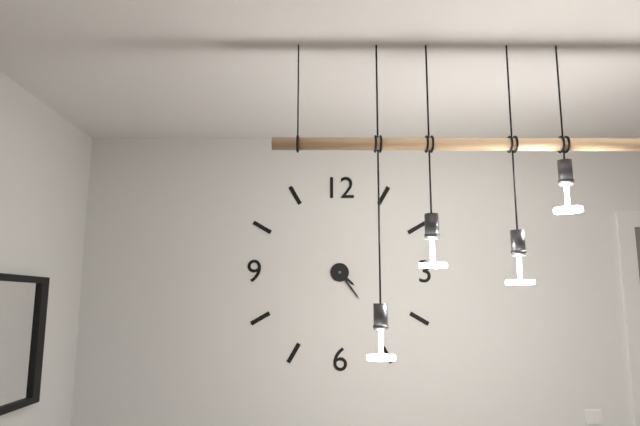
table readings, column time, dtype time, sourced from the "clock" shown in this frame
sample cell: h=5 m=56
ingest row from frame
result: h=4 m=24
